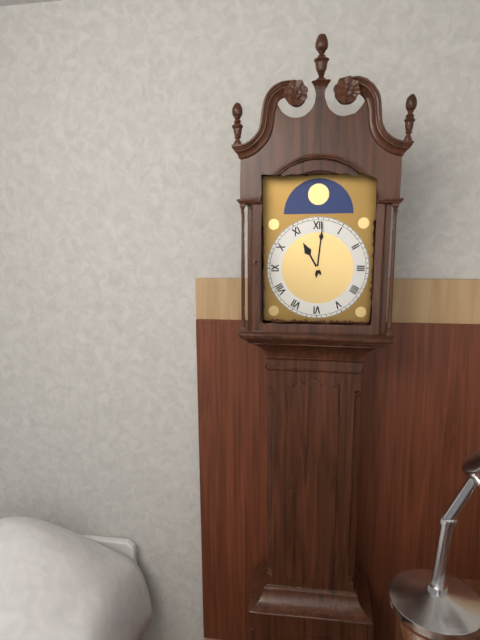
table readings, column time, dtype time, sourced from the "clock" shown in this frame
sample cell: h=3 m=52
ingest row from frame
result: h=11 m=1
